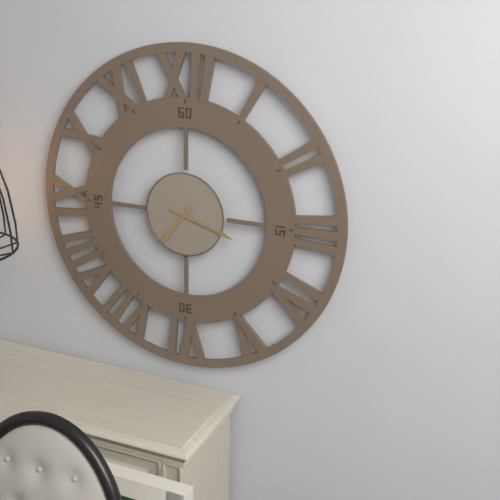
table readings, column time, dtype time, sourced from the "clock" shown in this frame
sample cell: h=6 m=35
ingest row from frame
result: h=7 m=18
